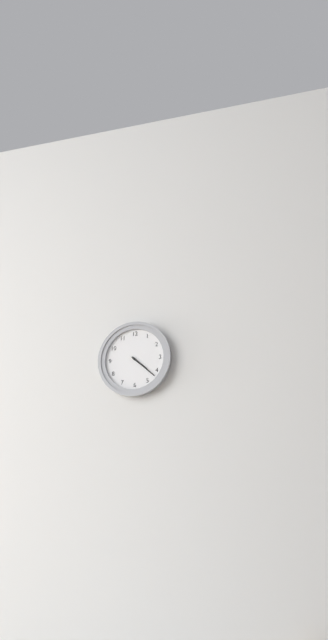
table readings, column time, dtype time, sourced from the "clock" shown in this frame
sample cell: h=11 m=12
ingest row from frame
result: h=4 m=22
